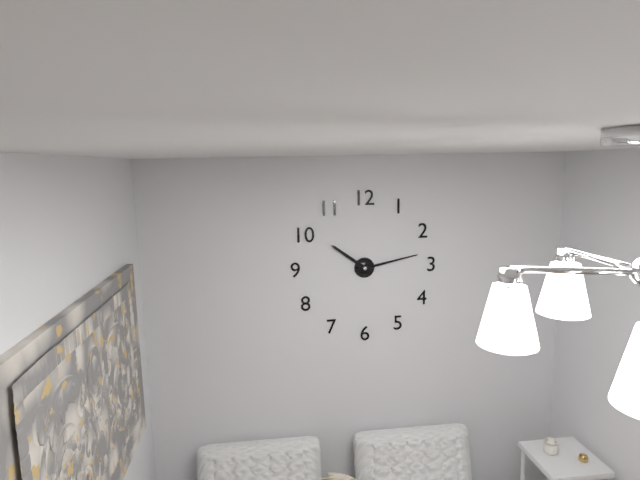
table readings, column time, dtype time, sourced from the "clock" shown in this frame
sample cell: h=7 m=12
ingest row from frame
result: h=10 m=13
